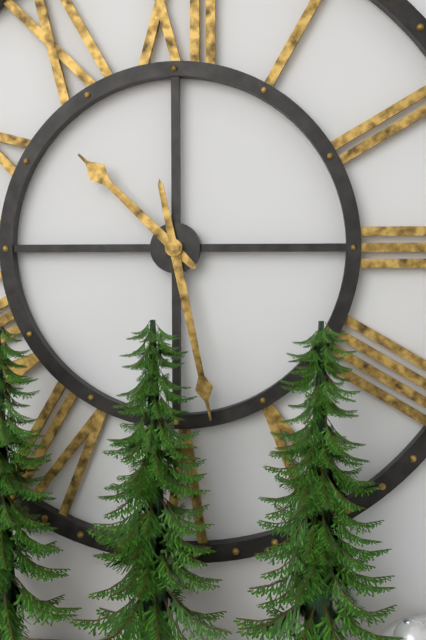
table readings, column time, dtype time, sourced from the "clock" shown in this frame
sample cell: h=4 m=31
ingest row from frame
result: h=10 m=28
